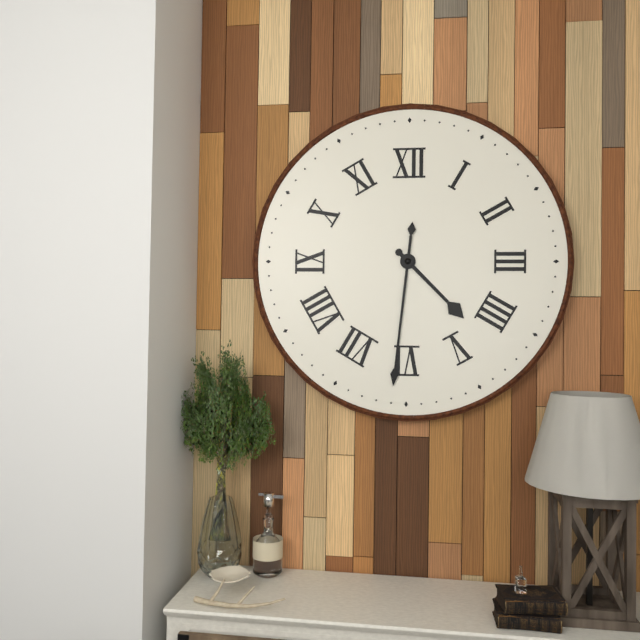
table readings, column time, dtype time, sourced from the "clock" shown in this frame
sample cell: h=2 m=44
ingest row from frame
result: h=4 m=31
